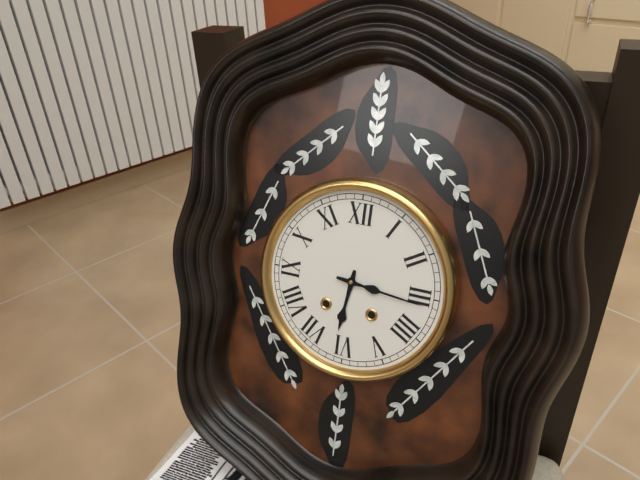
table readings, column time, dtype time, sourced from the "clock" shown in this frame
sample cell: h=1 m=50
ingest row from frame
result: h=6 m=16
